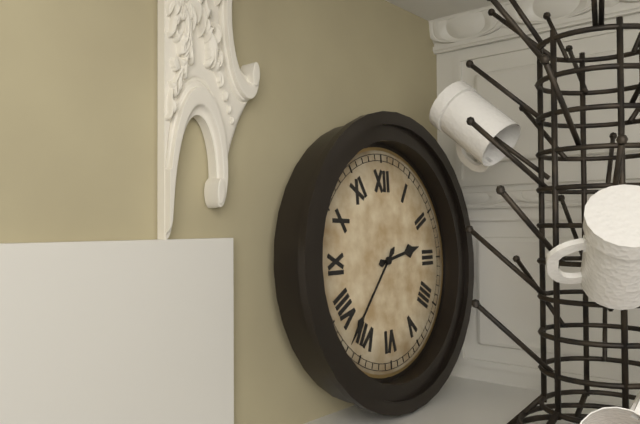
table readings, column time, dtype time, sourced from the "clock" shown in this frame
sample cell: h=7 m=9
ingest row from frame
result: h=2 m=37
